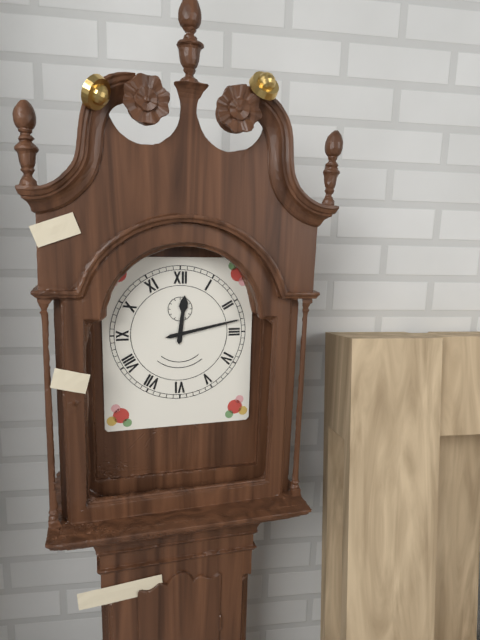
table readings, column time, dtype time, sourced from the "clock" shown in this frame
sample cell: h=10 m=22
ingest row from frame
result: h=12 m=13
